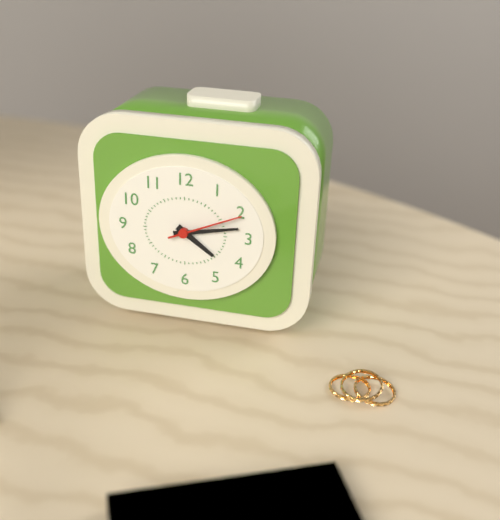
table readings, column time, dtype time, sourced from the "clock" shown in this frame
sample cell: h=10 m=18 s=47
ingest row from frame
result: h=4 m=13 s=11
